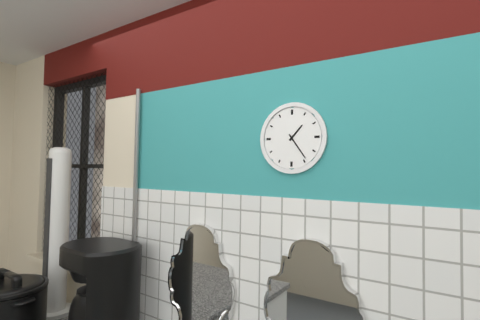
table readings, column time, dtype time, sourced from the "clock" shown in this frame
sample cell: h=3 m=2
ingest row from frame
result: h=1 m=24
